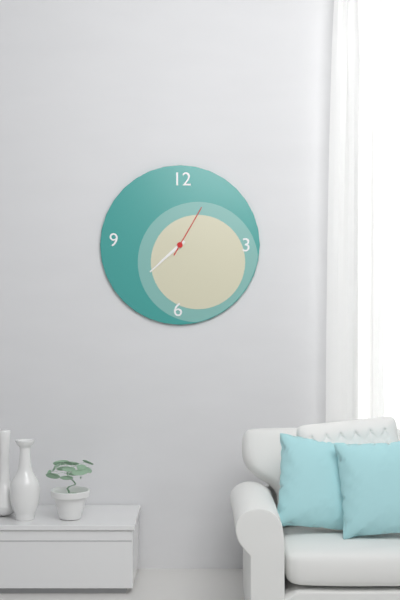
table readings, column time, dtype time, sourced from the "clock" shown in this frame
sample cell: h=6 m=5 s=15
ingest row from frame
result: h=7 m=38 s=5
